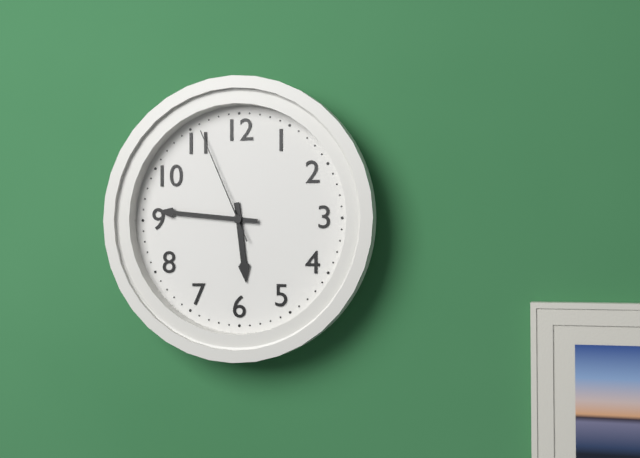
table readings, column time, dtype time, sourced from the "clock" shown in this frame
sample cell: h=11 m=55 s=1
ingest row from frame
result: h=5 m=46 s=56
